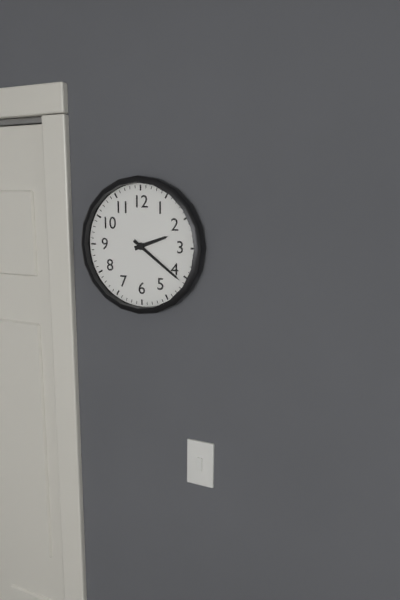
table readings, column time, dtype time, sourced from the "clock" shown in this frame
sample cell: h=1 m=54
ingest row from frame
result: h=2 m=21
